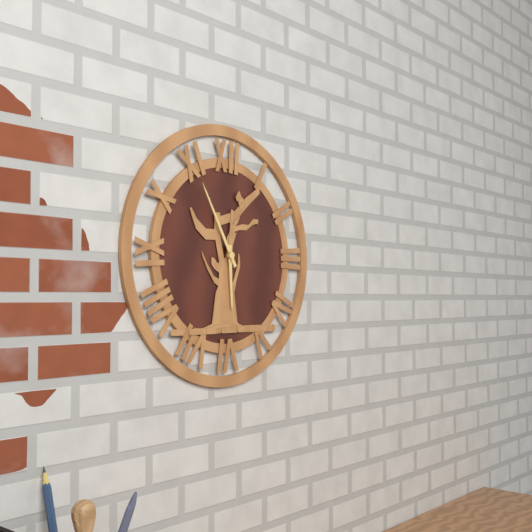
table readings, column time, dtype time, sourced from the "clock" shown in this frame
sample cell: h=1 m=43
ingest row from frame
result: h=5 m=55
